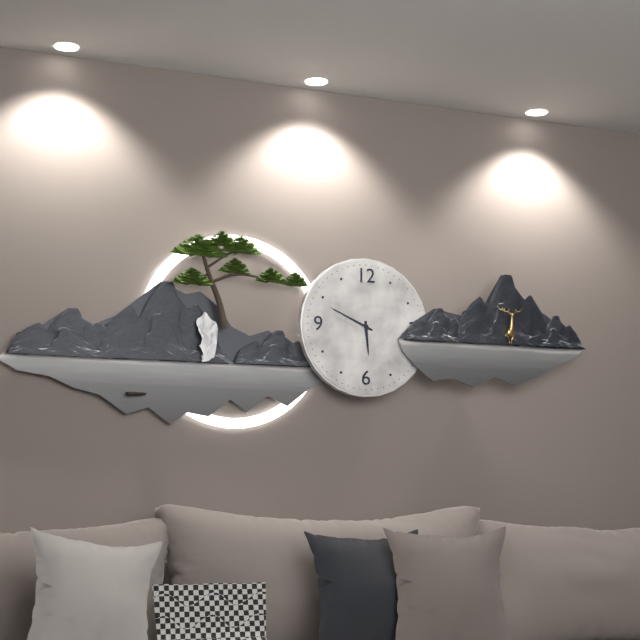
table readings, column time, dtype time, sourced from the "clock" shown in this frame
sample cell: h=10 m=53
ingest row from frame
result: h=5 m=49
